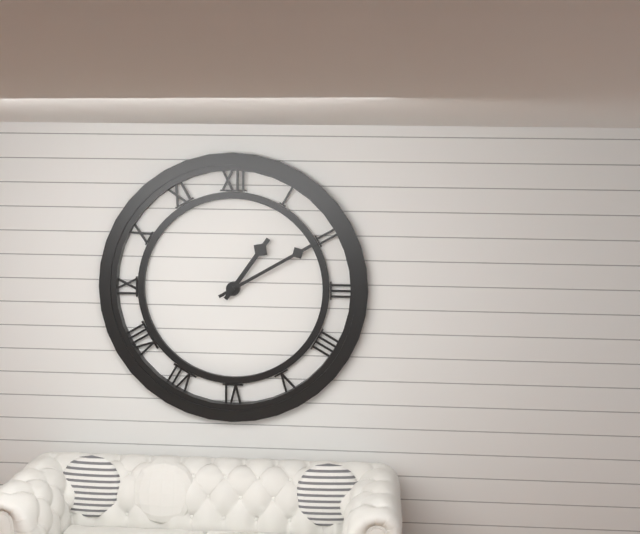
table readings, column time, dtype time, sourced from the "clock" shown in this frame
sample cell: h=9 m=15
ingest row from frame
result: h=1 m=10
